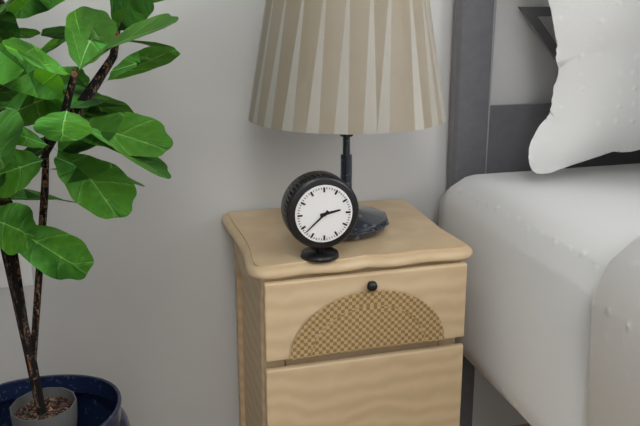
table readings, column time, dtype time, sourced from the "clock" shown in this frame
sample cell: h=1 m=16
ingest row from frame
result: h=2 m=38
